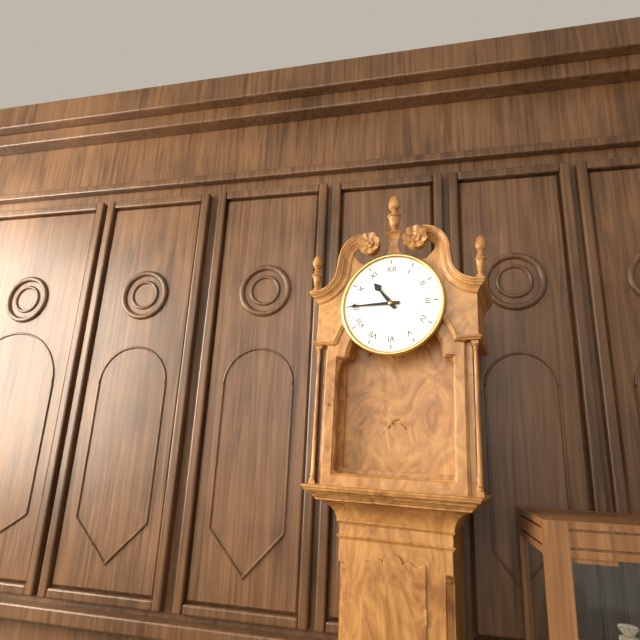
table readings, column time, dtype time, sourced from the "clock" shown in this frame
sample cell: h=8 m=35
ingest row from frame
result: h=10 m=45
